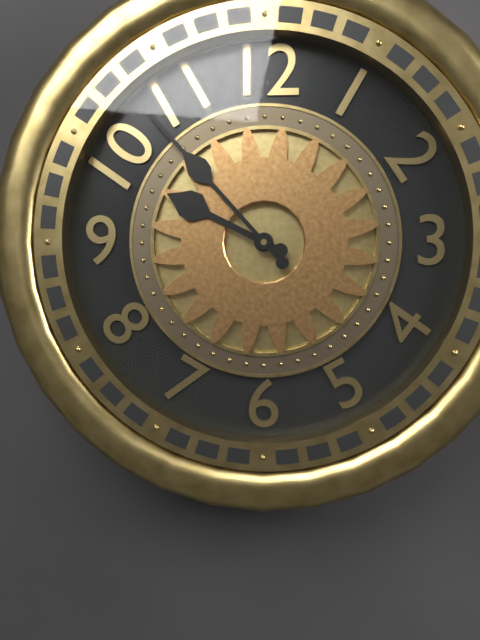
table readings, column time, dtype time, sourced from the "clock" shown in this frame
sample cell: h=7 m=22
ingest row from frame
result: h=9 m=53
